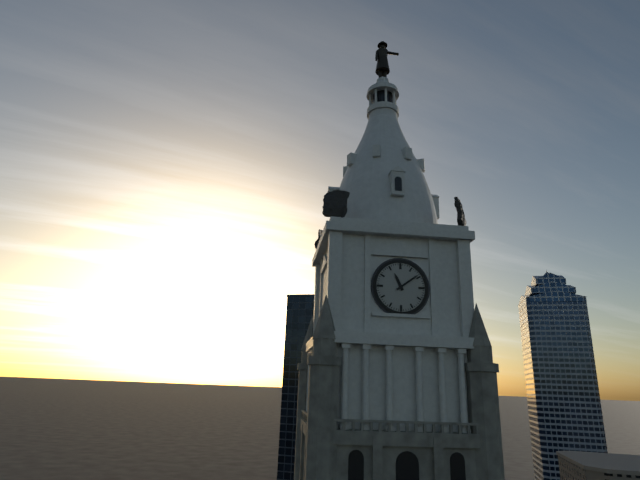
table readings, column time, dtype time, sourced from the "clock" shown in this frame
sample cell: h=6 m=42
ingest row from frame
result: h=11 m=9
